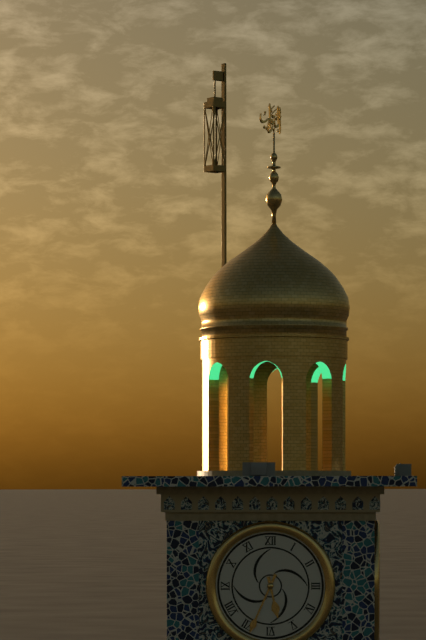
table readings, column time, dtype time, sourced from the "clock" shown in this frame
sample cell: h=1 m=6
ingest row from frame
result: h=5 m=34
